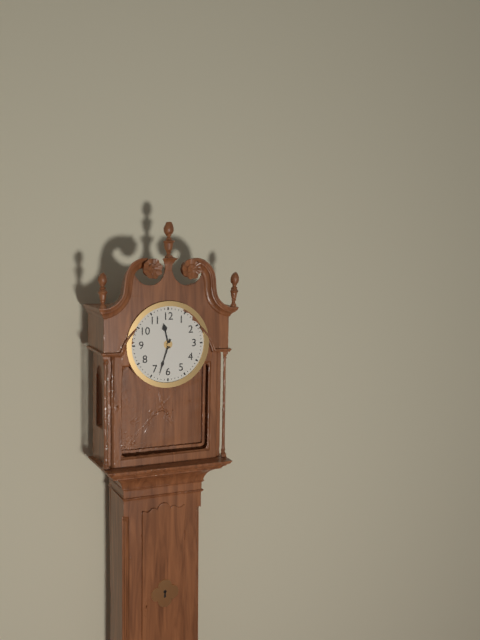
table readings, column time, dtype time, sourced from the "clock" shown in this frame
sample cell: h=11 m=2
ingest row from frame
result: h=11 m=33
